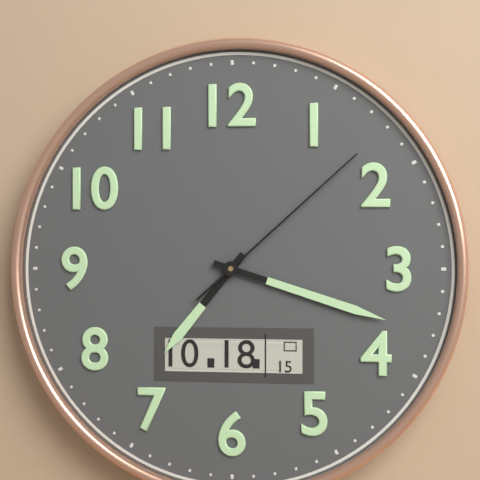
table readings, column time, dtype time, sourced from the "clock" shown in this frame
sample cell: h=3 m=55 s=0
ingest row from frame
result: h=7 m=18 s=8
